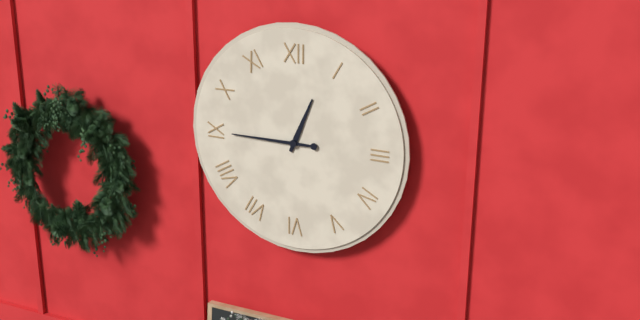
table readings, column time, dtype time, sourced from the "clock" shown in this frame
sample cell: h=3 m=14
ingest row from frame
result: h=12 m=45
